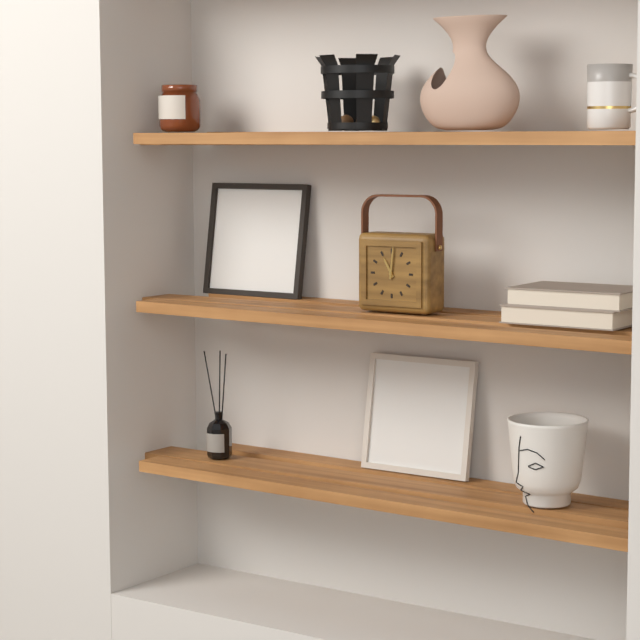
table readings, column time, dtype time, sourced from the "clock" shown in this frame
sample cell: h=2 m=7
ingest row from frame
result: h=11 m=1
